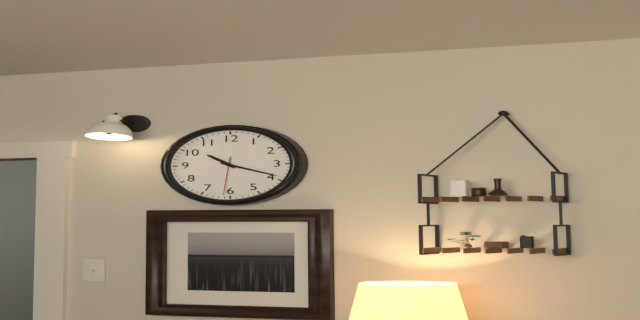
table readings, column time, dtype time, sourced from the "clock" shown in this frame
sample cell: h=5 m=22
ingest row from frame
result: h=10 m=19
